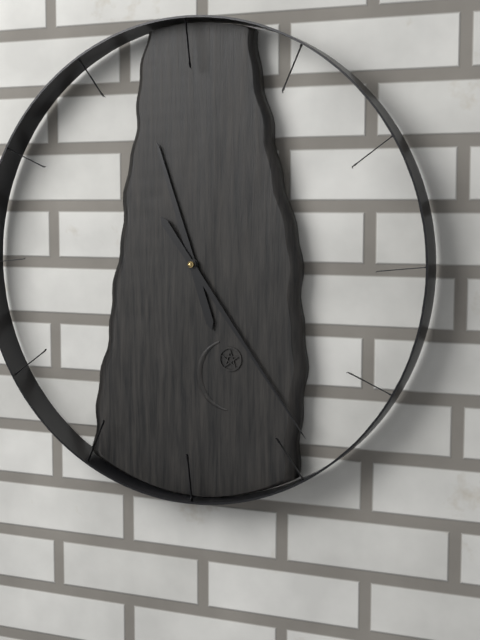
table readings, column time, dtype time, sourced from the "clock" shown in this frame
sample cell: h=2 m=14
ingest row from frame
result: h=11 m=24
